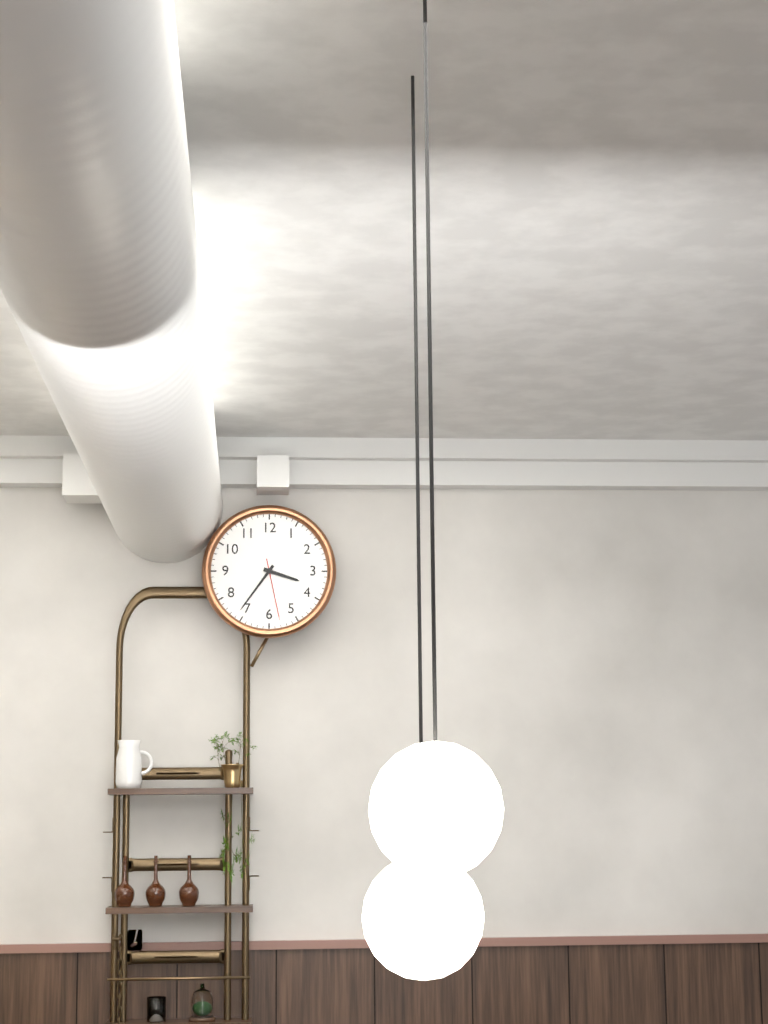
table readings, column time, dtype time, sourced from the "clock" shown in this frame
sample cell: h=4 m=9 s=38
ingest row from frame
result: h=3 m=36 s=28
